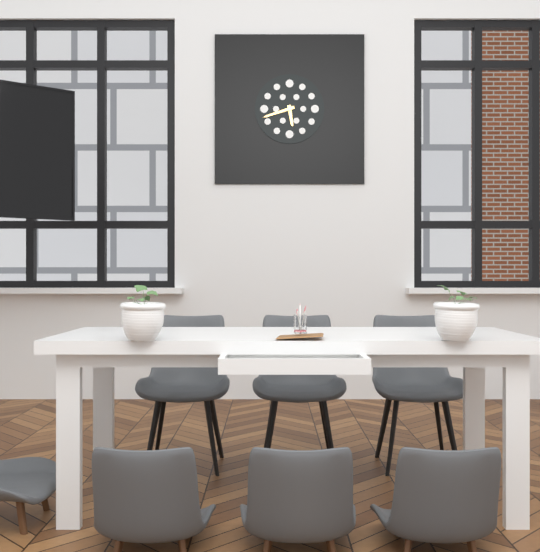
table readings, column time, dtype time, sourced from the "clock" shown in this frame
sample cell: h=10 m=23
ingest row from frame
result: h=5 m=42
